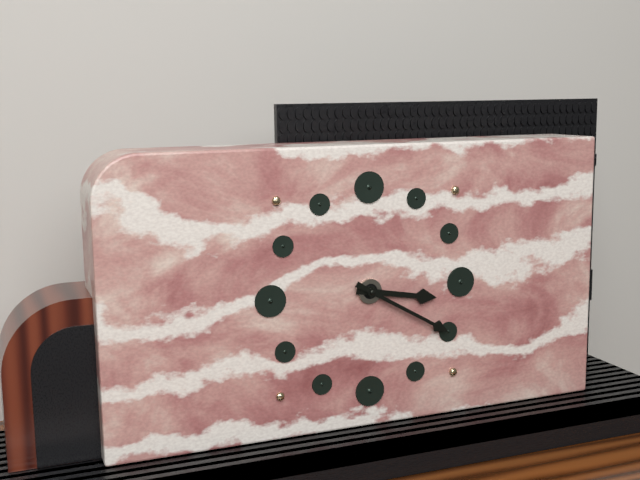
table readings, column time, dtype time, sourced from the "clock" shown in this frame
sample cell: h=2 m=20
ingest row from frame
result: h=3 m=20
